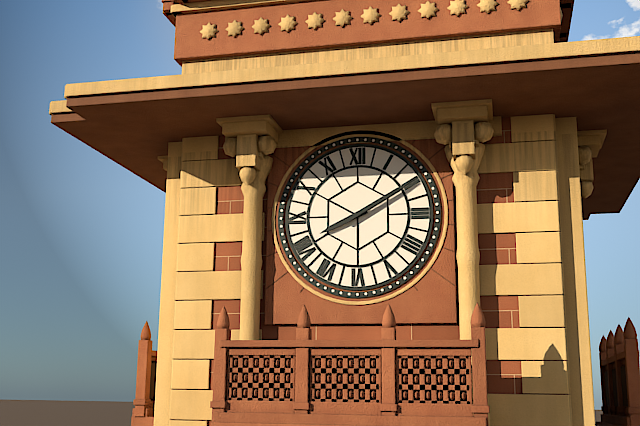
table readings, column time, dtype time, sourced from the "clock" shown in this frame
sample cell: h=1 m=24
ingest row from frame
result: h=8 m=10
